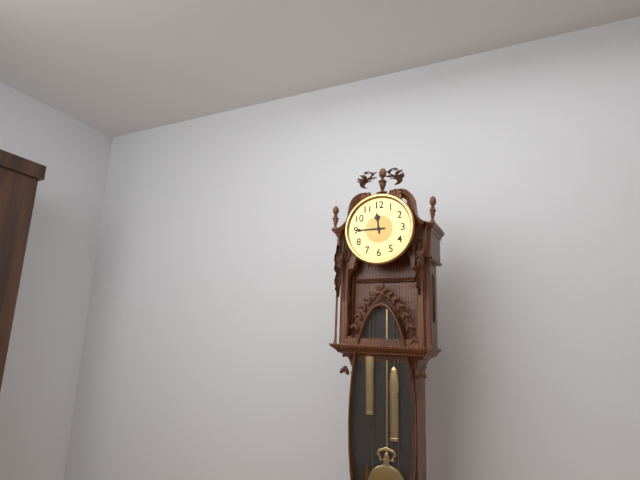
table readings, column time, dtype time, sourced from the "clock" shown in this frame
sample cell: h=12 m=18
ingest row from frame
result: h=11 m=45
